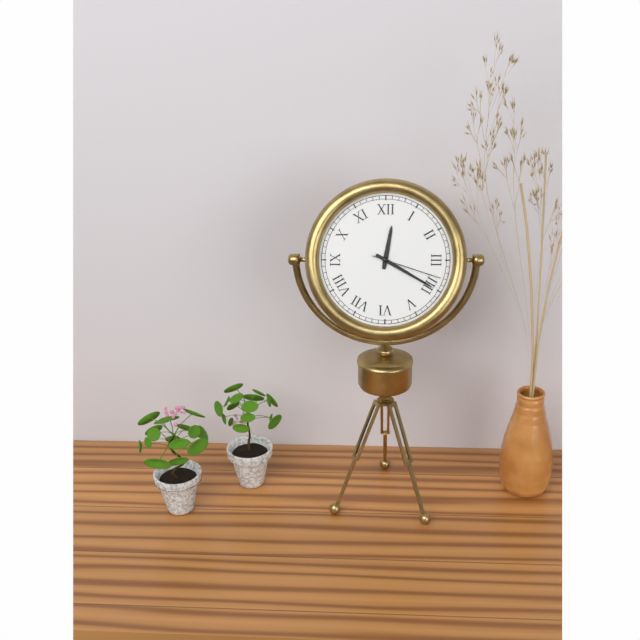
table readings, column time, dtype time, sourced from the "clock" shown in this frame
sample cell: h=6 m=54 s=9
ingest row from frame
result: h=12 m=20 s=18
